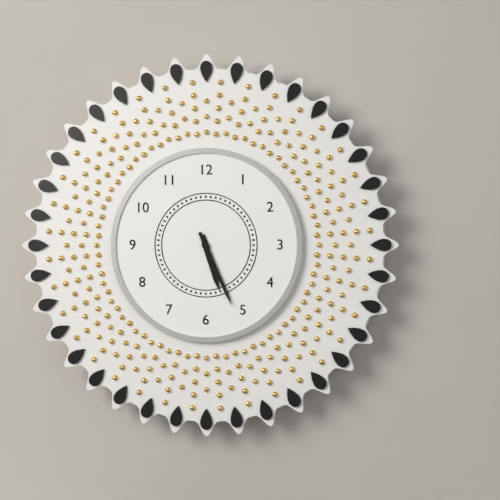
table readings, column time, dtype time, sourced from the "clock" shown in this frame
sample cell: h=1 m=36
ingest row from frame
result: h=5 m=26
